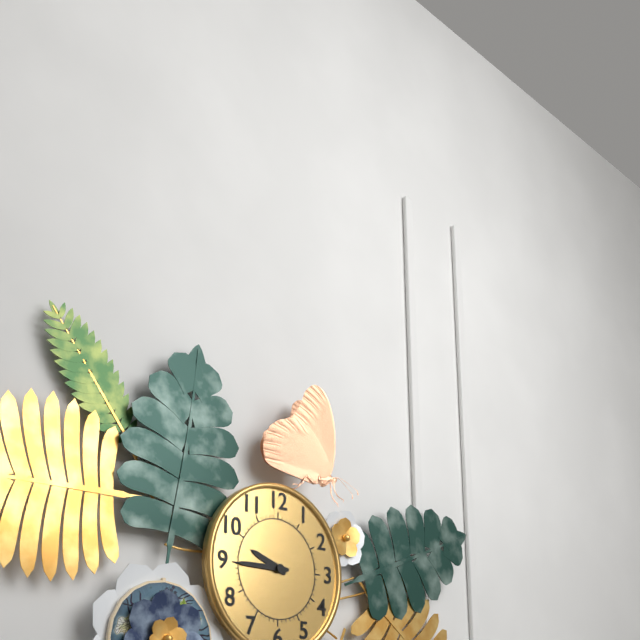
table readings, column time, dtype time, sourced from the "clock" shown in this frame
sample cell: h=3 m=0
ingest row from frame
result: h=9 m=45
